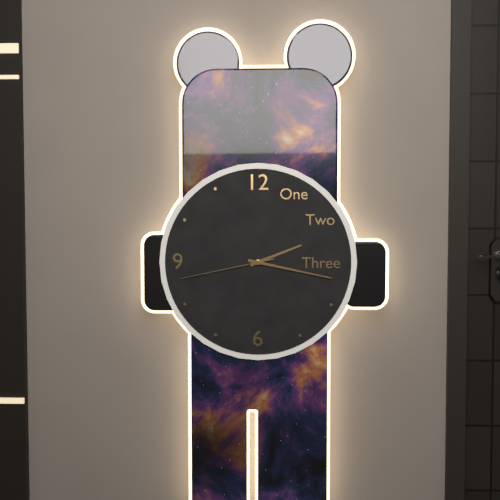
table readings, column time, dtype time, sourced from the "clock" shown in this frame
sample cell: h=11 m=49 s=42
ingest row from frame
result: h=2 m=17 s=43
